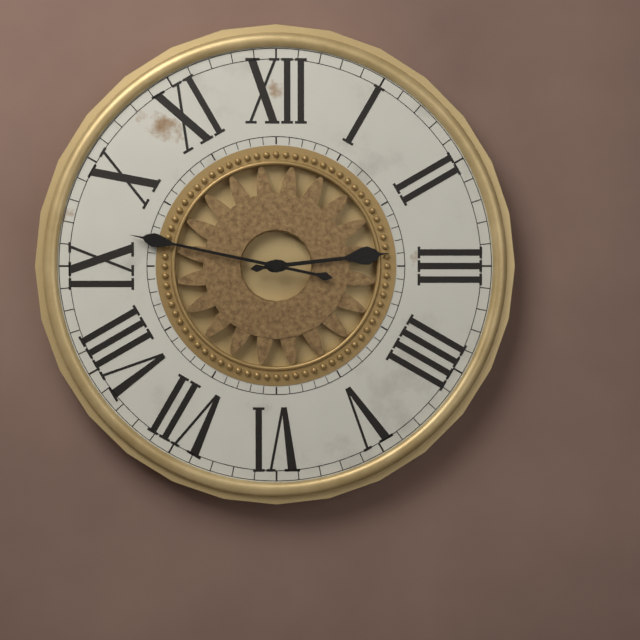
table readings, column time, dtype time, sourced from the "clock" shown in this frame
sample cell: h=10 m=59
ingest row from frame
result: h=2 m=47
